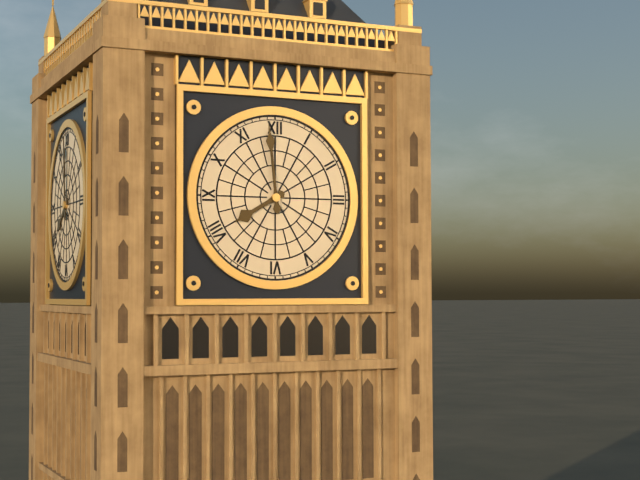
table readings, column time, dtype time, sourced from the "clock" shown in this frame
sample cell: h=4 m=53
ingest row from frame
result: h=7 m=59
